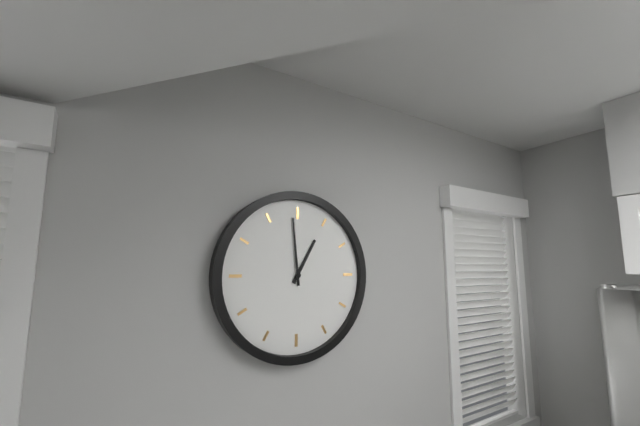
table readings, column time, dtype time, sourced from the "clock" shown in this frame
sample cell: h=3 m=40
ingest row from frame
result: h=12 m=59
